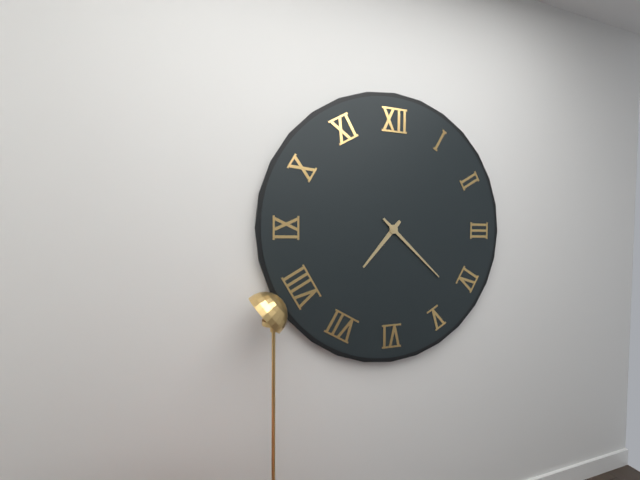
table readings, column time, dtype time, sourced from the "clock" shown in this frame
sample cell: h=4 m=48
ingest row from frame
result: h=7 m=22
